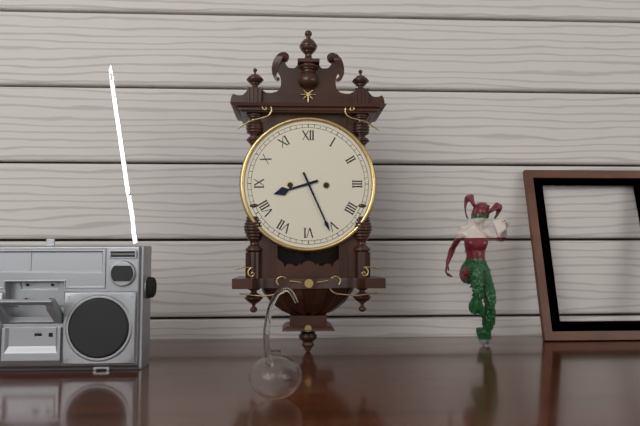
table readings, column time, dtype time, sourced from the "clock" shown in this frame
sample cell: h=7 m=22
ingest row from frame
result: h=8 m=26
